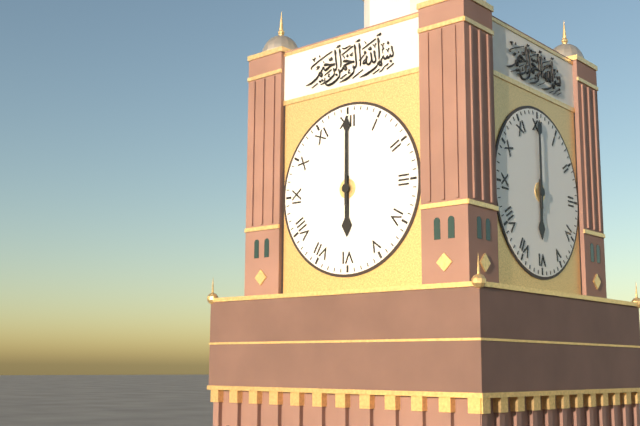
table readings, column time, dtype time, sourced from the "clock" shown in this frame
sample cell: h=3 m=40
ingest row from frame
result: h=6 m=0
